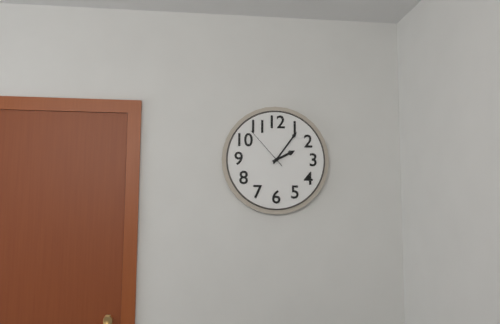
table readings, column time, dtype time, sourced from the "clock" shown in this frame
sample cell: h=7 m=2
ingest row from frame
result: h=2 m=6
